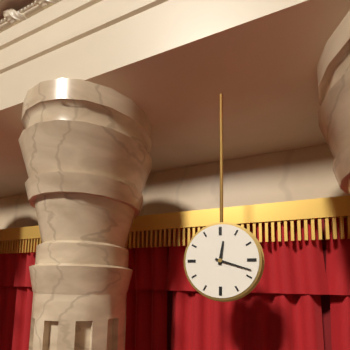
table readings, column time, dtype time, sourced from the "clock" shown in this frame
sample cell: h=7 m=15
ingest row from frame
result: h=12 m=18
